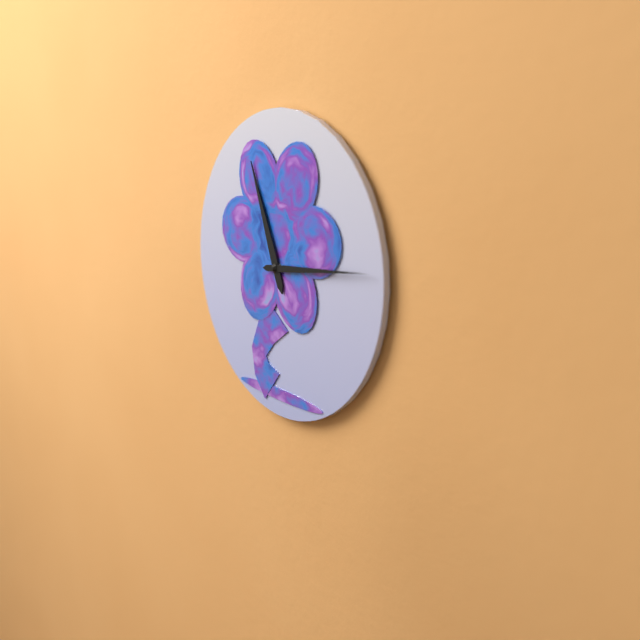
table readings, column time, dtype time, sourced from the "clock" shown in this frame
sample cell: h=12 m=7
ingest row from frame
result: h=11 m=14
